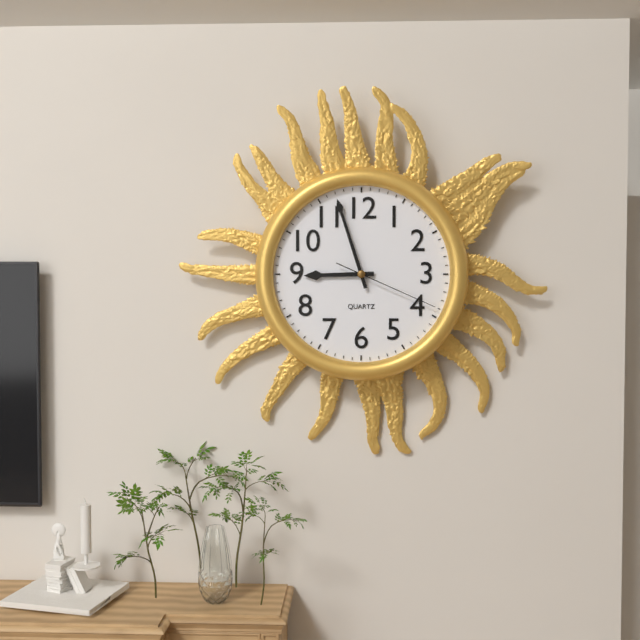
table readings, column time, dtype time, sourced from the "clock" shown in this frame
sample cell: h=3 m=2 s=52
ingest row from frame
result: h=8 m=57 s=19
